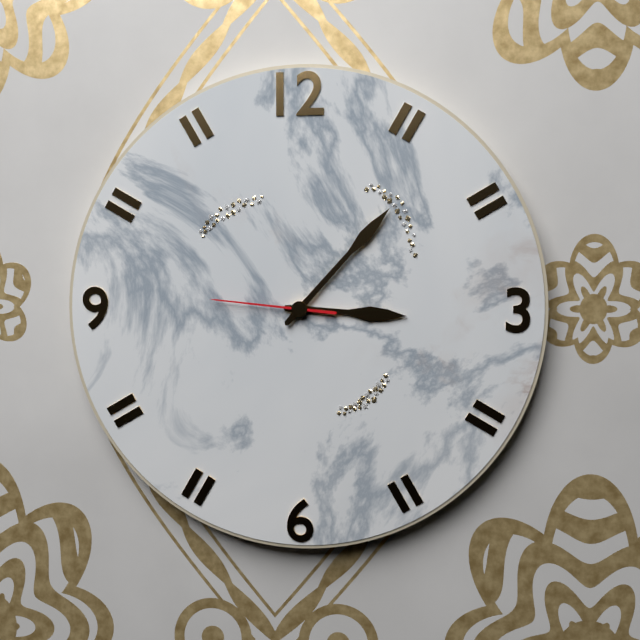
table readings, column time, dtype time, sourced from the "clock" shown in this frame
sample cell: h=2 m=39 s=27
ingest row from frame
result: h=3 m=7 s=46
